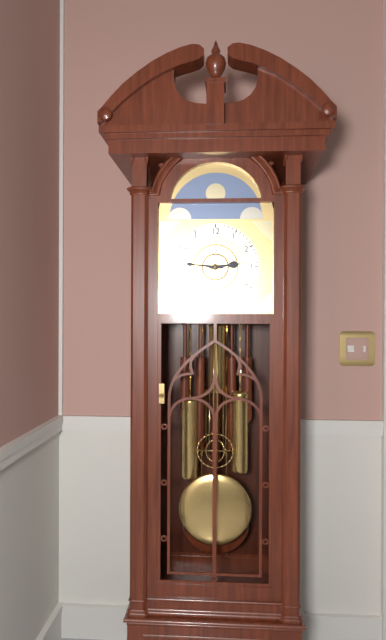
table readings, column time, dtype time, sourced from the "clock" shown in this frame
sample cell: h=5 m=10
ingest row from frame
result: h=2 m=46
